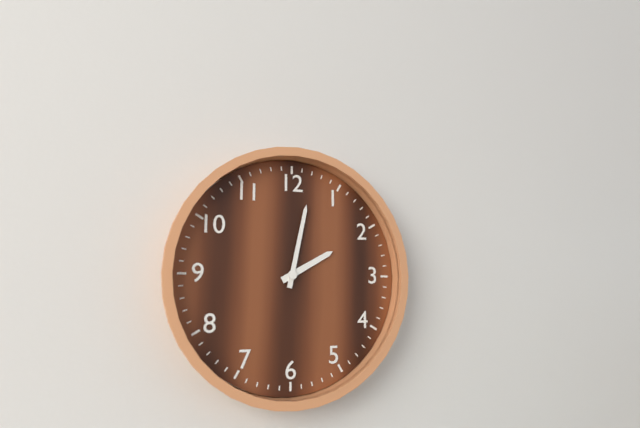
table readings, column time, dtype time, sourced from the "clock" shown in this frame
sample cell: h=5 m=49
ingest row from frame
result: h=2 m=2
